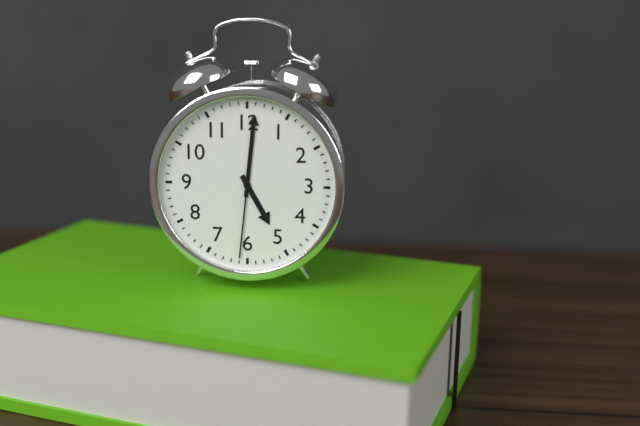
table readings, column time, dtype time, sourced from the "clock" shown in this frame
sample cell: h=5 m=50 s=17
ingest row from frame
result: h=5 m=1 s=31
